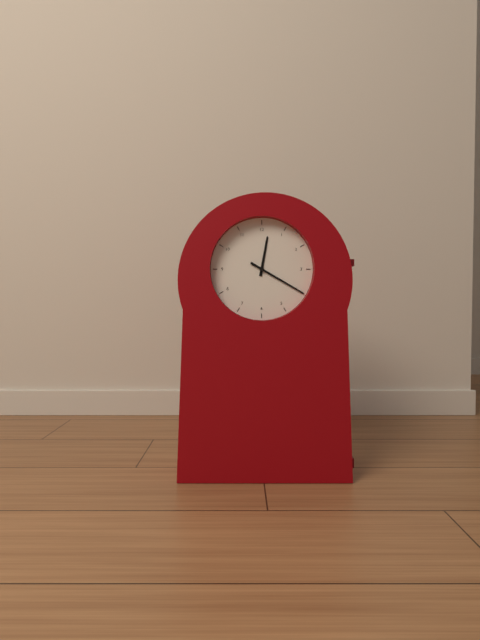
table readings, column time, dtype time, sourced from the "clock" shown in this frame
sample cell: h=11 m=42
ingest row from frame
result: h=12 m=20
